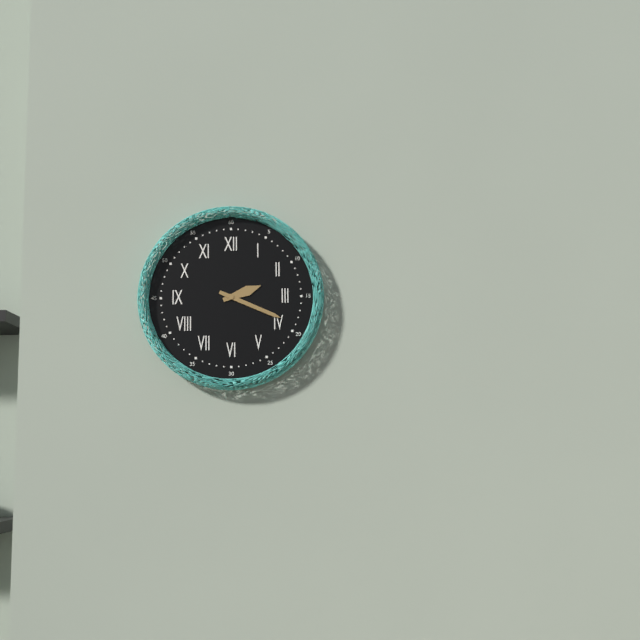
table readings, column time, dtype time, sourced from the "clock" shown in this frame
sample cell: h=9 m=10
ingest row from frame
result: h=2 m=19
